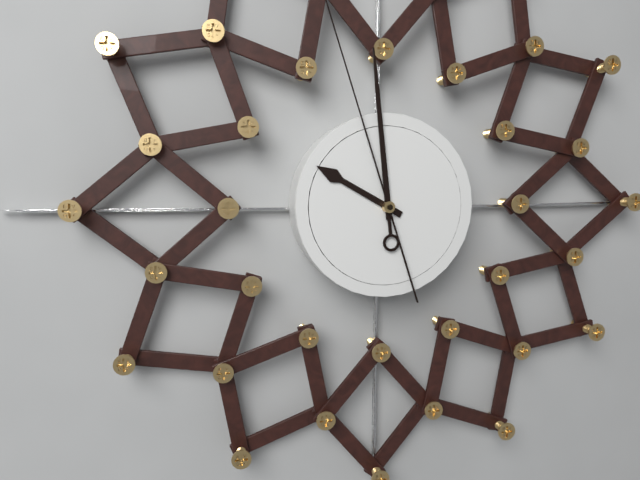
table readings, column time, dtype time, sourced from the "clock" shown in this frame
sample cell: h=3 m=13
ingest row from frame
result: h=9 m=59
